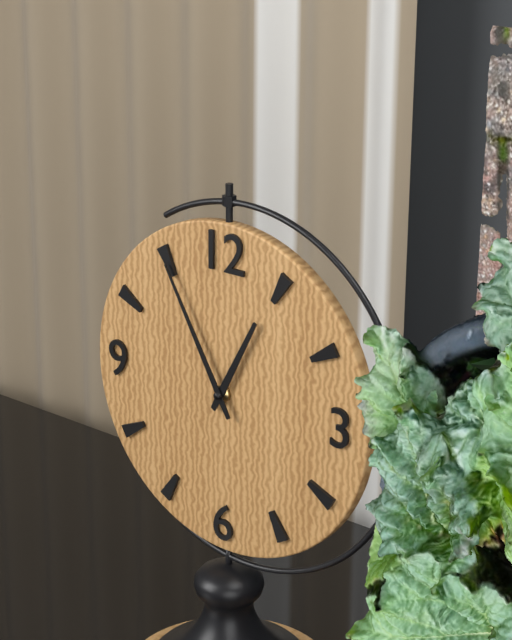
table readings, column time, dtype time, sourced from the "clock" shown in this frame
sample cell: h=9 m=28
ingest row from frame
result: h=12 m=55
